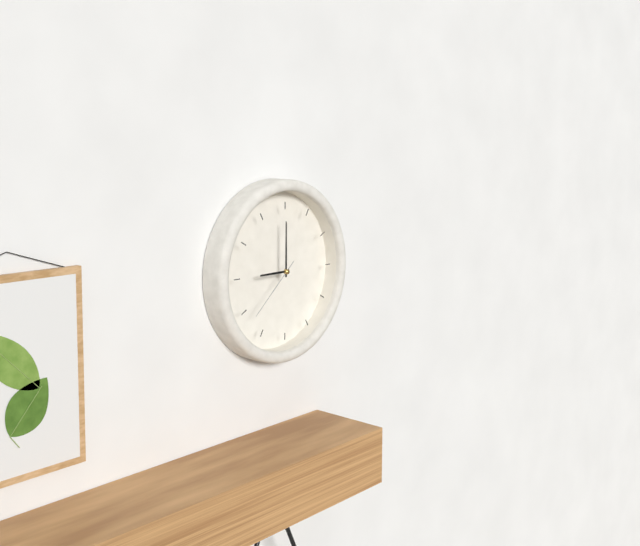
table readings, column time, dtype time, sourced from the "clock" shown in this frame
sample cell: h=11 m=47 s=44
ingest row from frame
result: h=9 m=0 s=38
